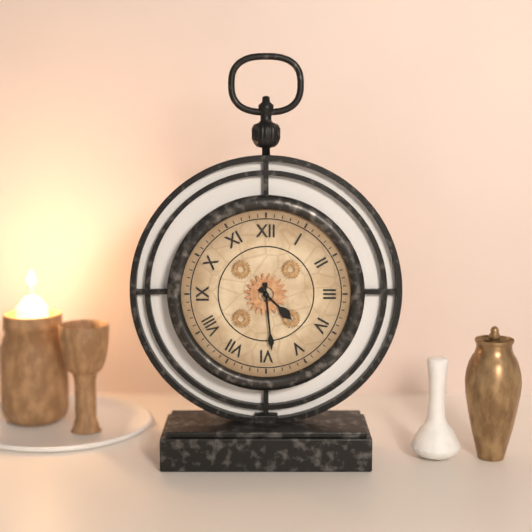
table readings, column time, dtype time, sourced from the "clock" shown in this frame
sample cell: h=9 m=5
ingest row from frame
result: h=4 m=29
